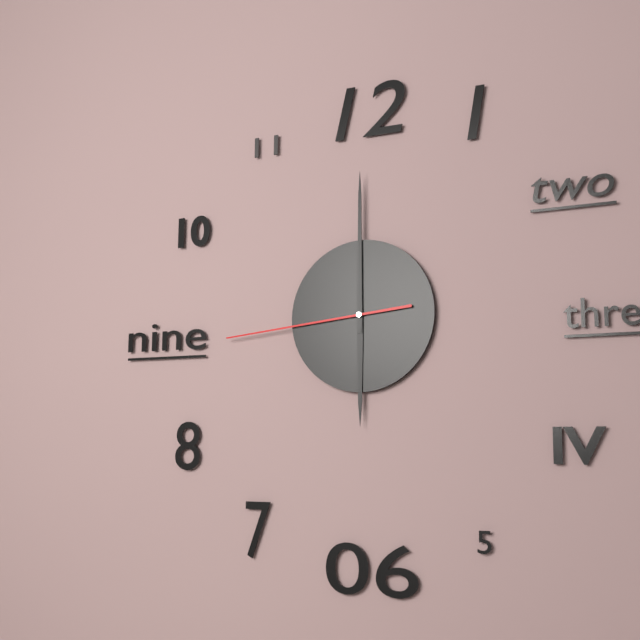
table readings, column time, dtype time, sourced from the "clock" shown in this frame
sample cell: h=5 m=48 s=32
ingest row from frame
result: h=6 m=0 s=44
